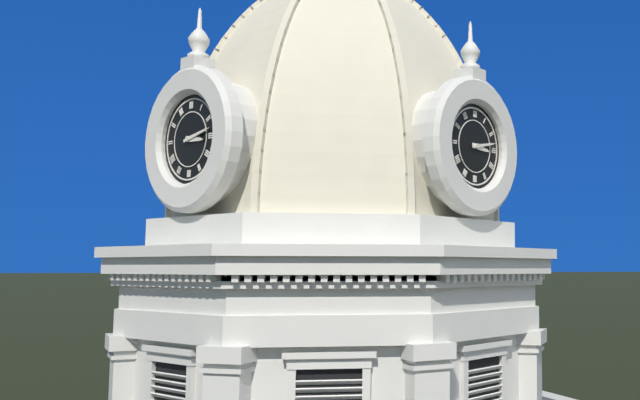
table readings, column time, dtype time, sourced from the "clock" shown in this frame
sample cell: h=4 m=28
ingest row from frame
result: h=3 m=13
